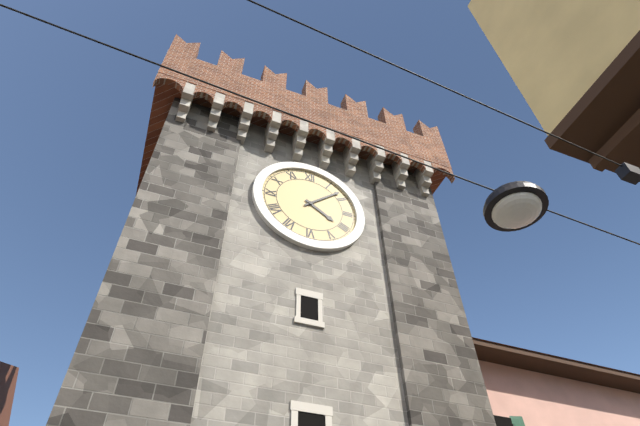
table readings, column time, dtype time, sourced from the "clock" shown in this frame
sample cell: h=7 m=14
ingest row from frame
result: h=4 m=8
